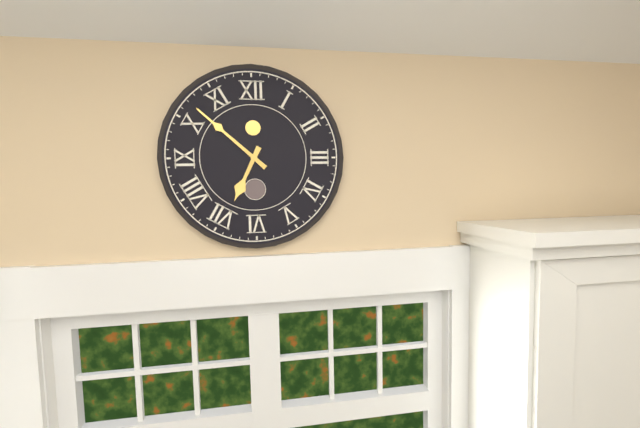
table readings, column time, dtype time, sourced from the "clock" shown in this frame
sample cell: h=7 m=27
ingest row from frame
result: h=6 m=52
